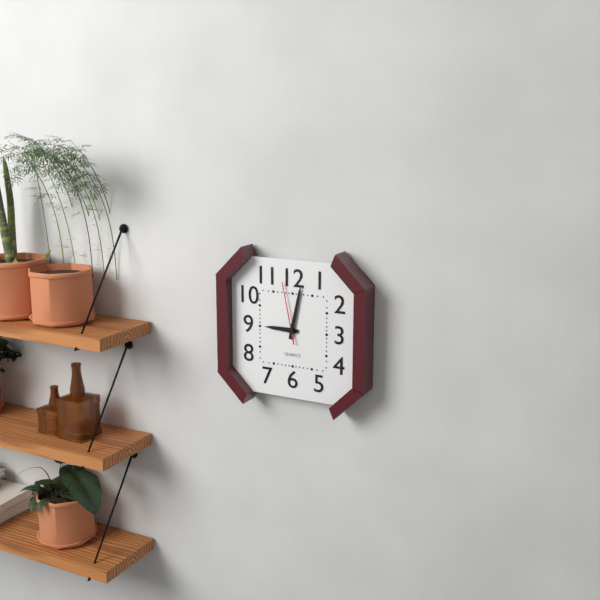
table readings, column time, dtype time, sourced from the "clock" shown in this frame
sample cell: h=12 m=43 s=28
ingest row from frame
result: h=9 m=2 s=58
